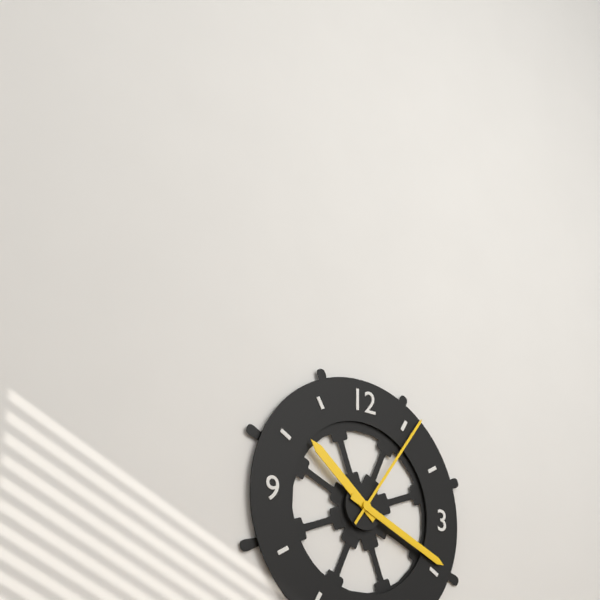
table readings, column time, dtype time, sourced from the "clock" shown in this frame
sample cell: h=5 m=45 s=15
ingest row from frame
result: h=10 m=19 s=6
